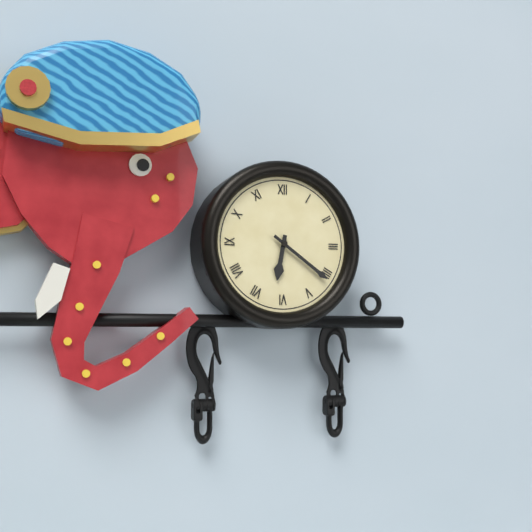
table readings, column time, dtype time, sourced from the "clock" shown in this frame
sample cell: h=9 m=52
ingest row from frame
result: h=6 m=21
